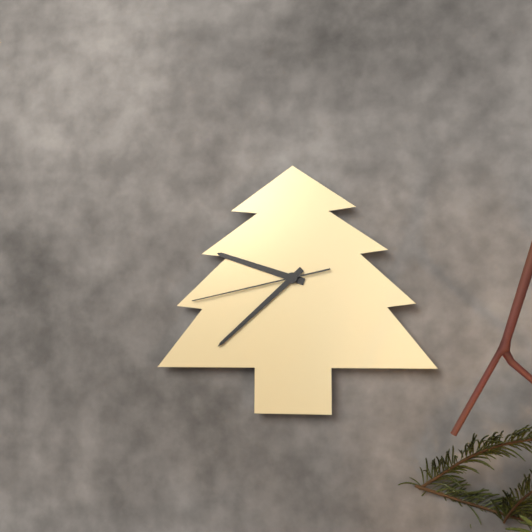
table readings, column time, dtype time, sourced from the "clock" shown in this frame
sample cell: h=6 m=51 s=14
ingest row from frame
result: h=9 m=38 s=43
